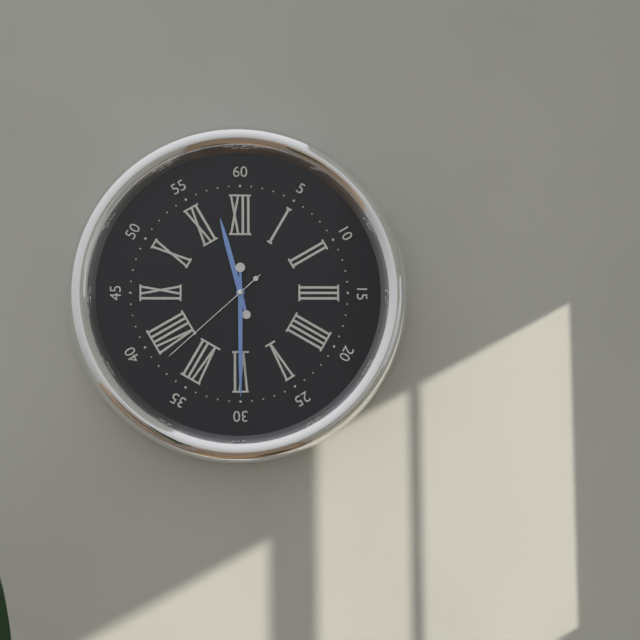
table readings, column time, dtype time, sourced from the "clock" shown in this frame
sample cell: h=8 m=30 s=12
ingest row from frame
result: h=11 m=30 s=38
